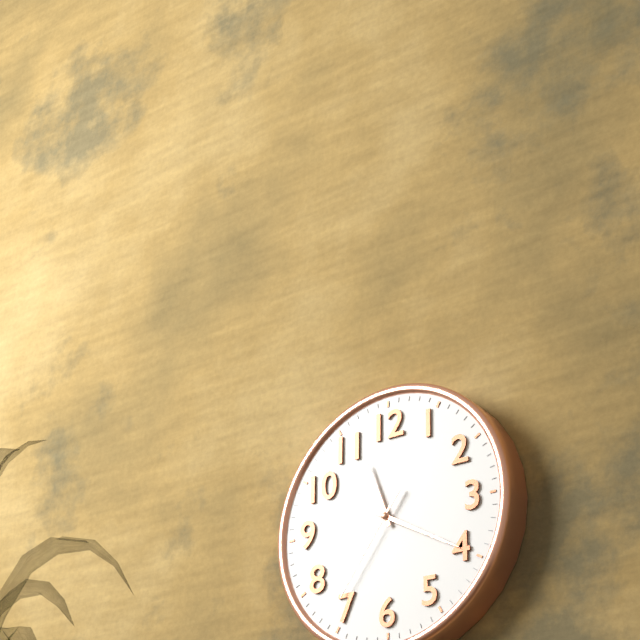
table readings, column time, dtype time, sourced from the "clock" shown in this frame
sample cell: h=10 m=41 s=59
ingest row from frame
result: h=11 m=20 s=36
